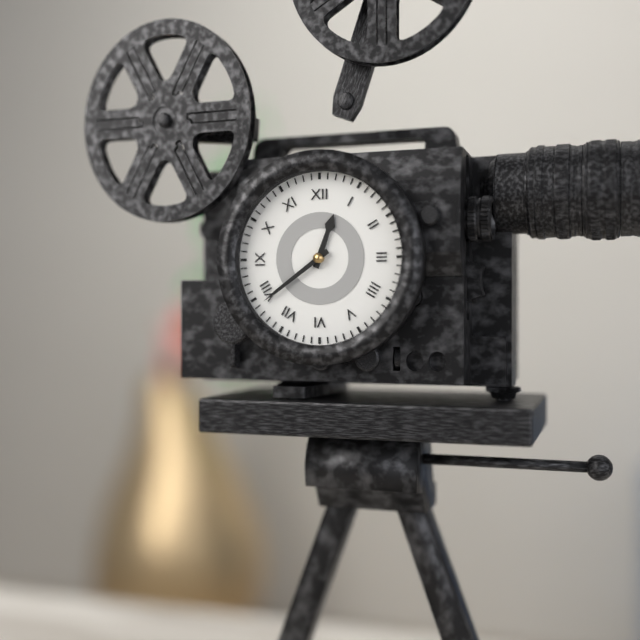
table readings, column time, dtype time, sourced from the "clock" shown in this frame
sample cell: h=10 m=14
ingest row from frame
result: h=12 m=39
